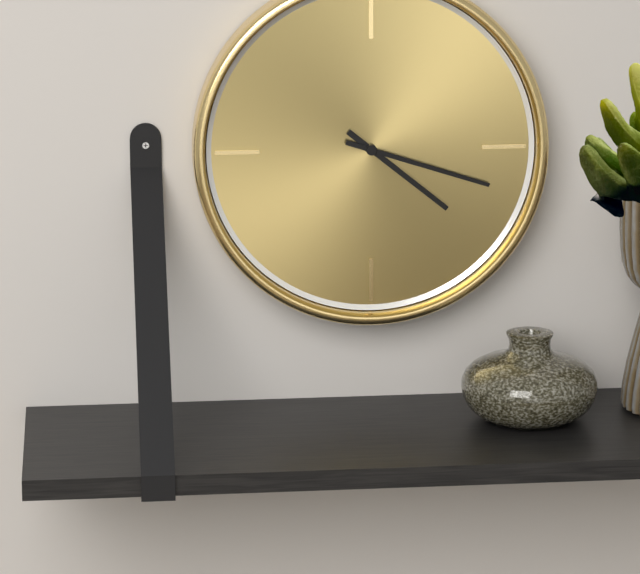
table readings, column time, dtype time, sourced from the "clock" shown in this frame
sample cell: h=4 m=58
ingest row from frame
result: h=4 m=18
